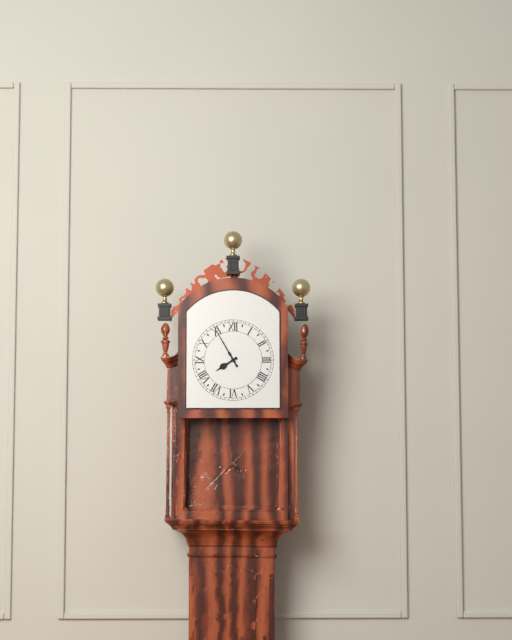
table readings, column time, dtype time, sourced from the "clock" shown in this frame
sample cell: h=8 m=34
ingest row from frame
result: h=7 m=55
